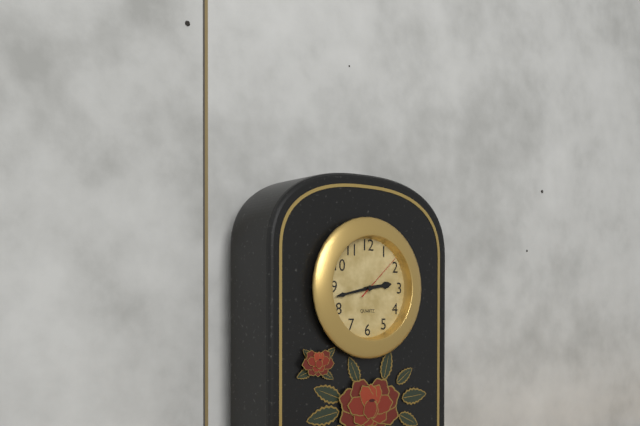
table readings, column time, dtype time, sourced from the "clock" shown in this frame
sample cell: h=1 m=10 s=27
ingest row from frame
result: h=2 m=43 s=8
